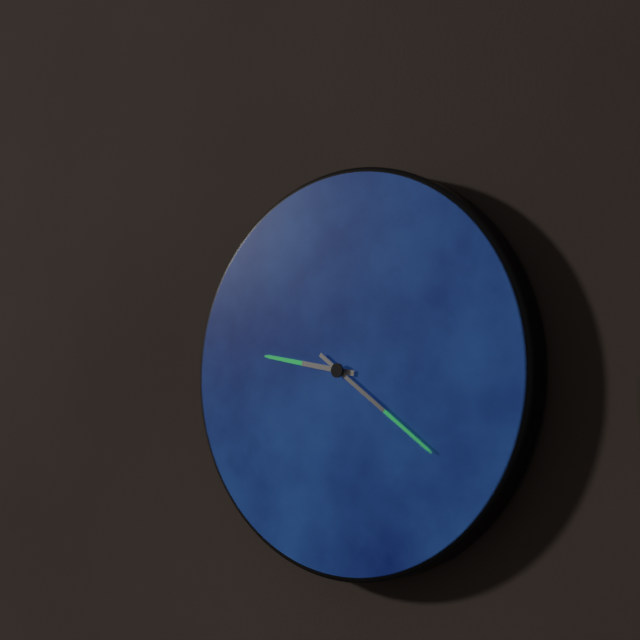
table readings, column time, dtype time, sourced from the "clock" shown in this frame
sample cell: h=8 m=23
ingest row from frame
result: h=9 m=21
